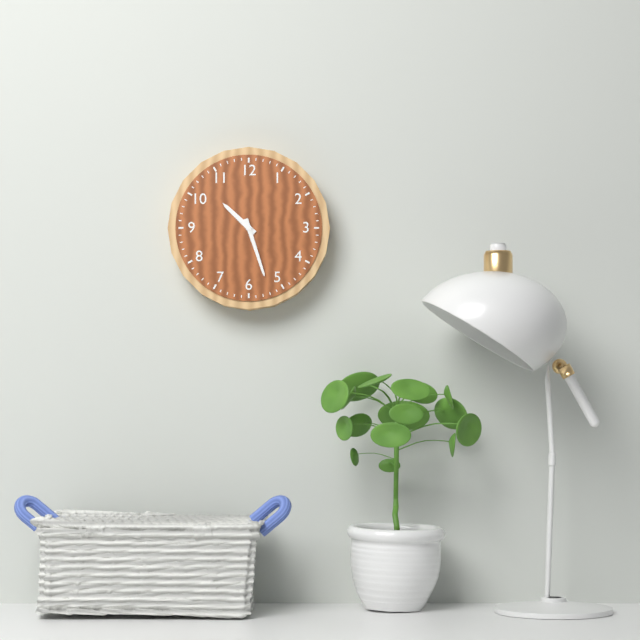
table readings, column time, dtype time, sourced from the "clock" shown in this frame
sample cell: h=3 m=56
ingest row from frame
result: h=10 m=27
